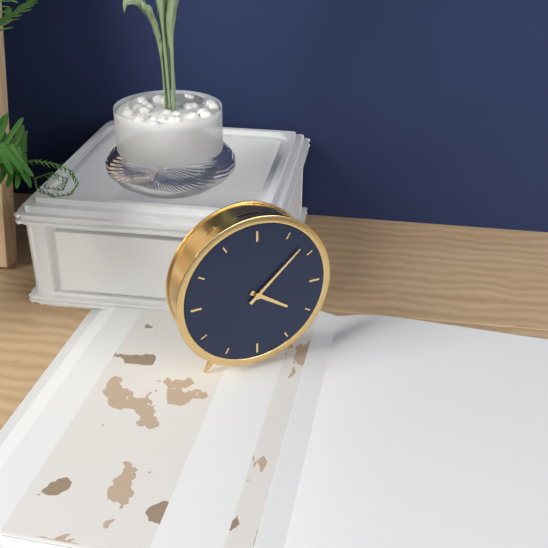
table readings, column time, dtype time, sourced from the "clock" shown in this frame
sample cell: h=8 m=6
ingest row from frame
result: h=4 m=8
